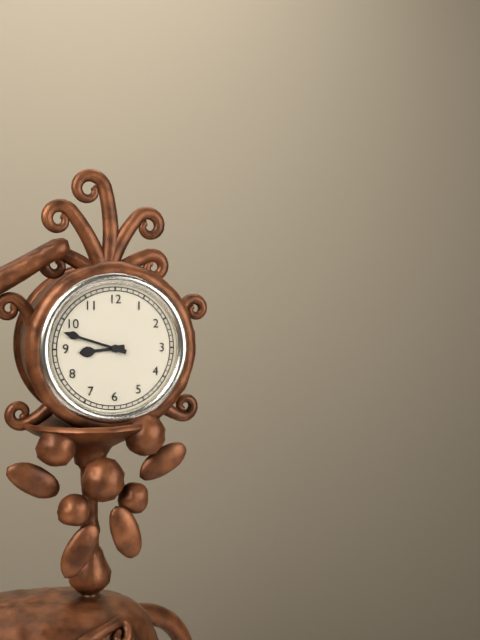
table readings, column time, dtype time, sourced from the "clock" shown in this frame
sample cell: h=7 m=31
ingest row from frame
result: h=8 m=48
